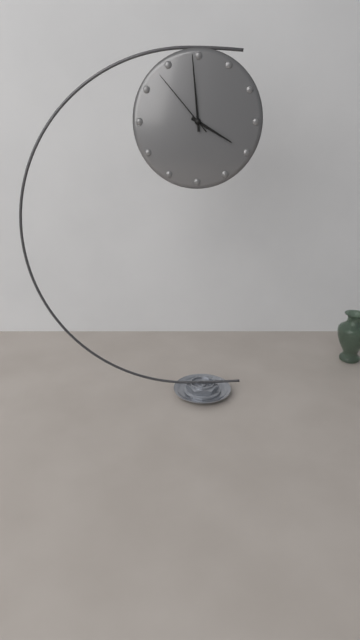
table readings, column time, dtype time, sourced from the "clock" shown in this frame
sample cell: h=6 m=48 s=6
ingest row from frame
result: h=3 m=59 s=53
